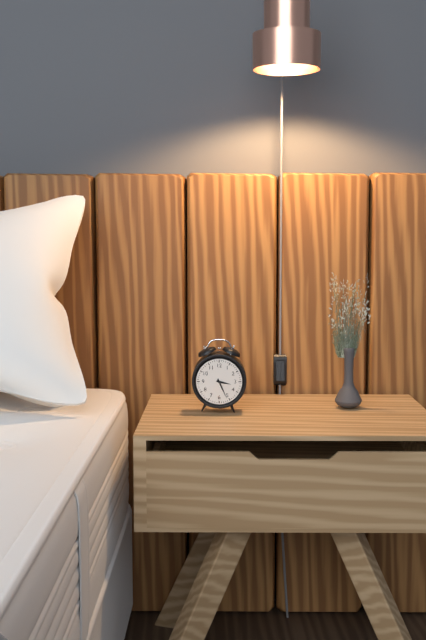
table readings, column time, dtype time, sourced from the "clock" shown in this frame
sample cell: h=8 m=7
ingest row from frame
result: h=3 m=26
